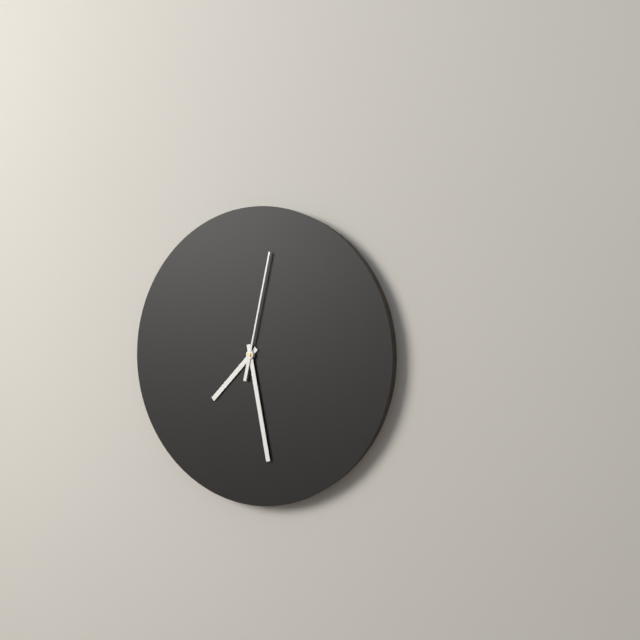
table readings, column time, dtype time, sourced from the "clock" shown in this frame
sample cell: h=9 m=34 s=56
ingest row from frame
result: h=7 m=28 s=2
